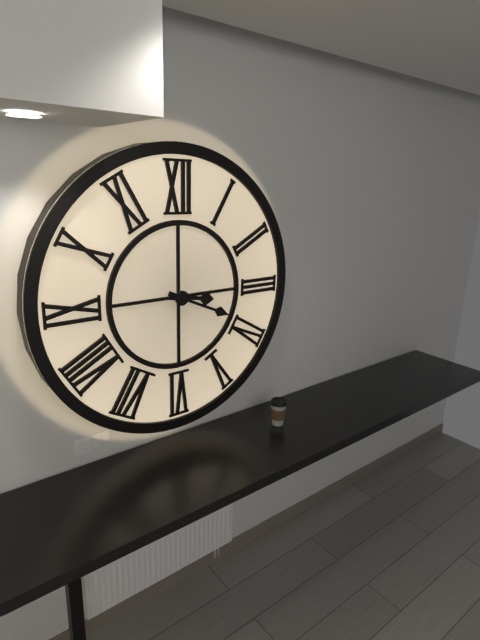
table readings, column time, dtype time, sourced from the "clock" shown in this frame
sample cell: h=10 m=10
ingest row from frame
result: h=3 m=19
